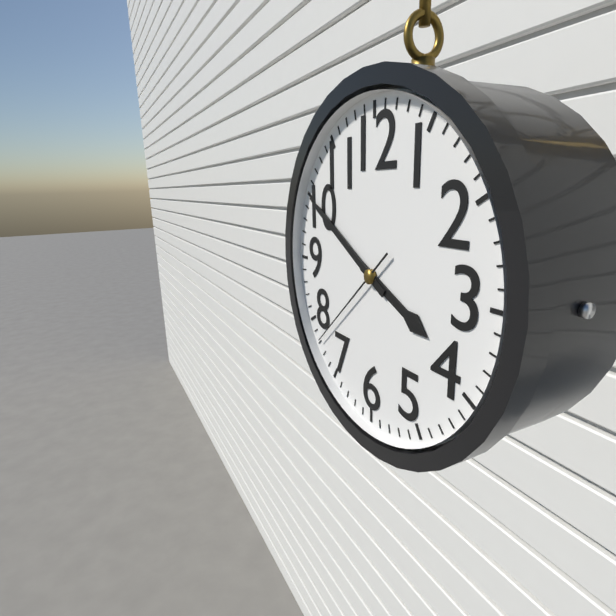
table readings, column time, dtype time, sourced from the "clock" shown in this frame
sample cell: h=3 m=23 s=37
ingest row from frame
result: h=3 m=50 s=38
